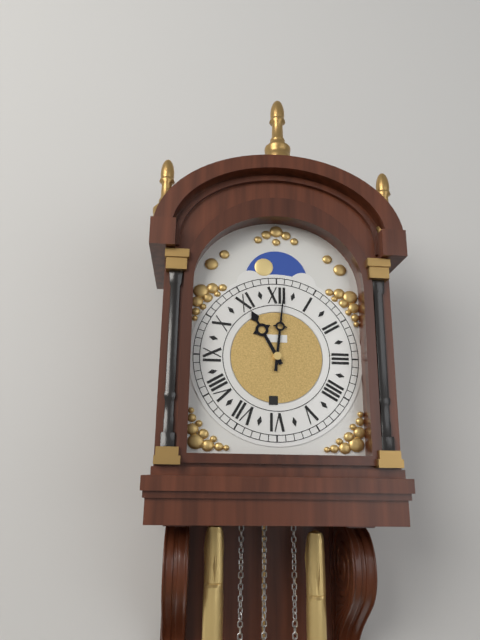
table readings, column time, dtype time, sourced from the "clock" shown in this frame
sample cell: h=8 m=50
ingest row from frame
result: h=11 m=1
